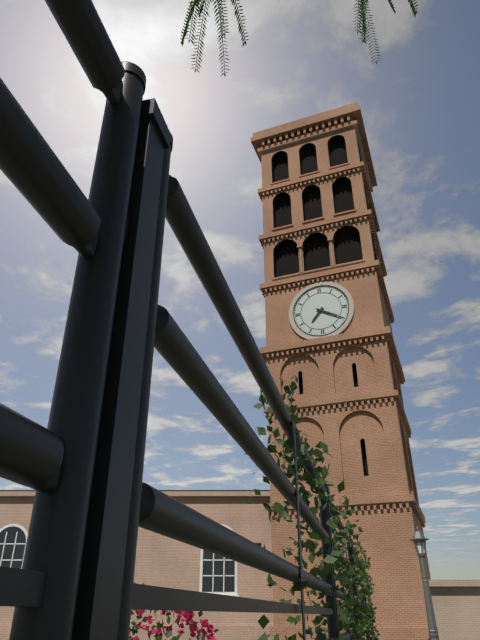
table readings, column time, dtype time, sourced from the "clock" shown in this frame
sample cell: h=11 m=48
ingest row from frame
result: h=7 m=20
